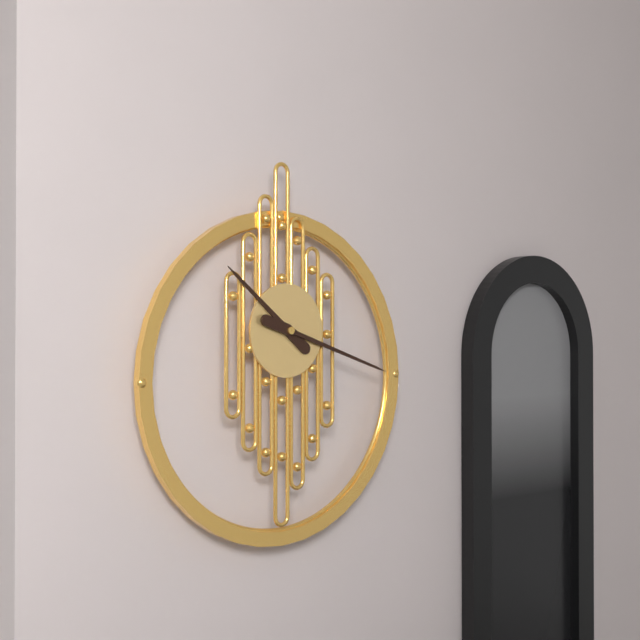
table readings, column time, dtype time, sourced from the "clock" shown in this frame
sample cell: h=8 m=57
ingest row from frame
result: h=10 m=18
